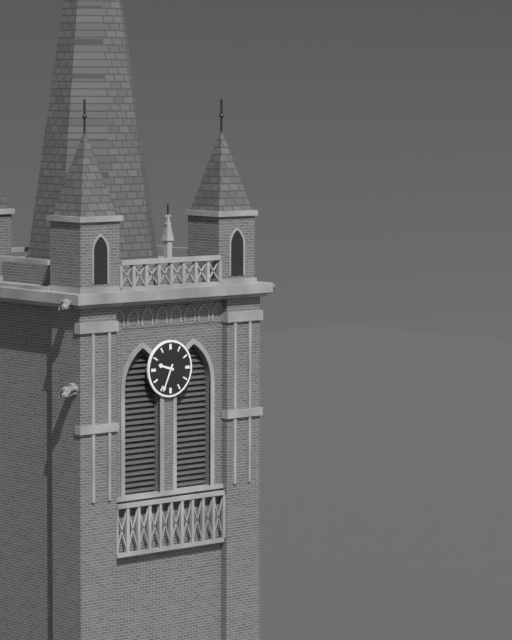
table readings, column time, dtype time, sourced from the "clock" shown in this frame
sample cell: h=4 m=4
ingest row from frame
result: h=9 m=34
